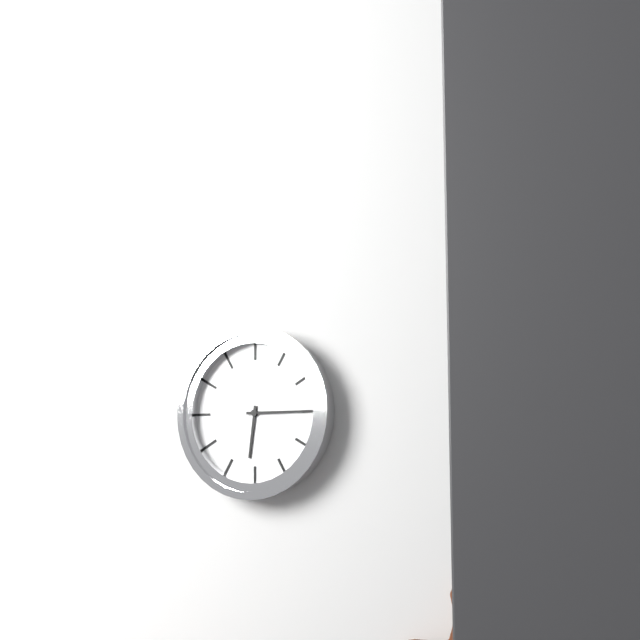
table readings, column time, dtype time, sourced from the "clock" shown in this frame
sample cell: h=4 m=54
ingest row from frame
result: h=6 m=15
